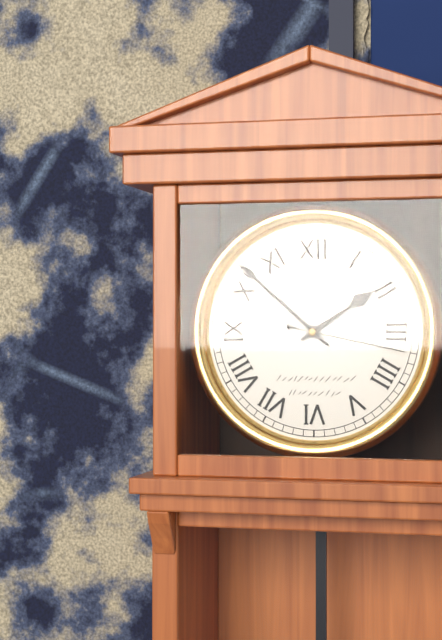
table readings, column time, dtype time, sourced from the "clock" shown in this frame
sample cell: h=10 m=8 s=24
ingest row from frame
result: h=1 m=52 s=17
